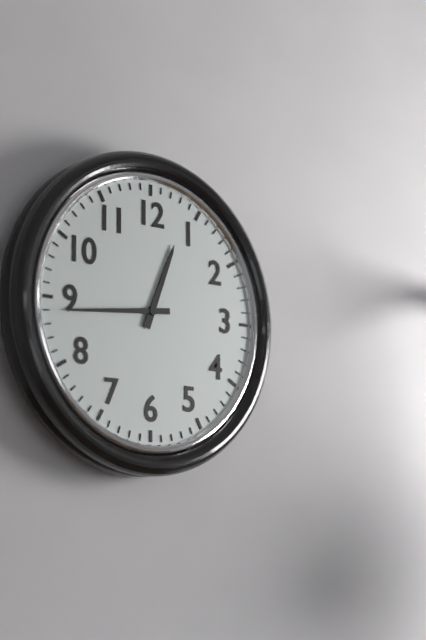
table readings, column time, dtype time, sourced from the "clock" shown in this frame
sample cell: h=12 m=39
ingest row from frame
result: h=12 m=44
